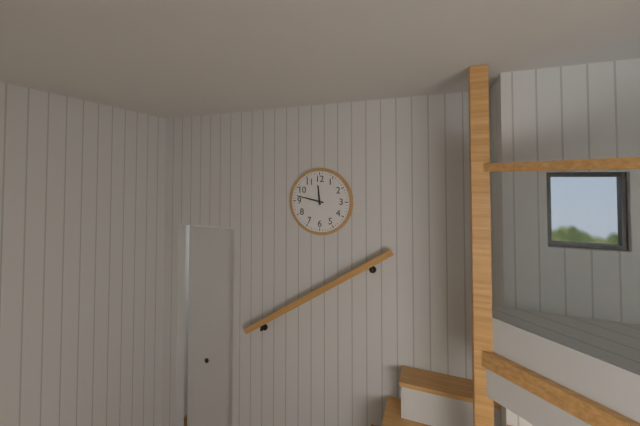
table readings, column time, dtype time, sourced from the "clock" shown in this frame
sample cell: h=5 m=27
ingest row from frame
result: h=11 m=47
